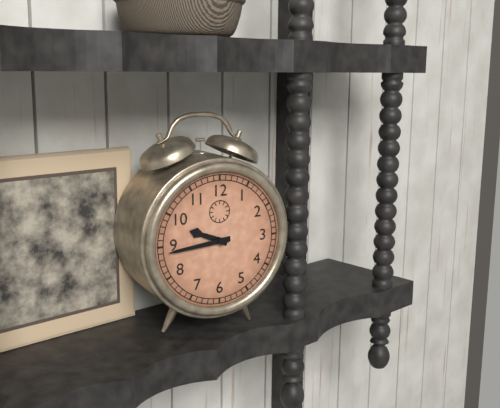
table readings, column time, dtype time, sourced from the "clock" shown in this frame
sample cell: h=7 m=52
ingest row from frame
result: h=9 m=44
